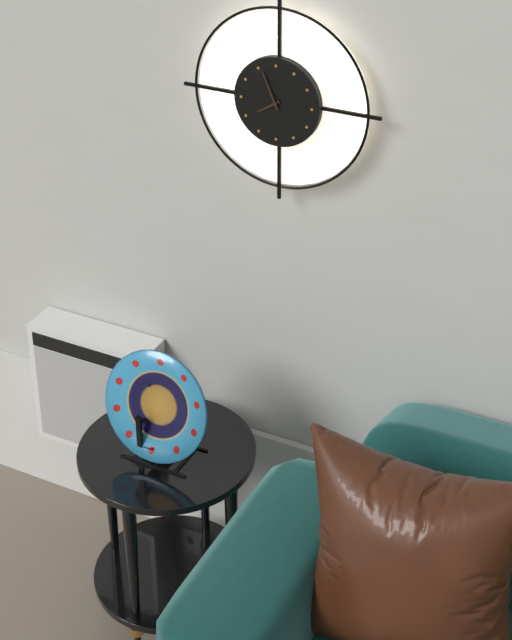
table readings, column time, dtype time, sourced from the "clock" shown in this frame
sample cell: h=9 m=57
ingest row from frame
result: h=7 m=56
